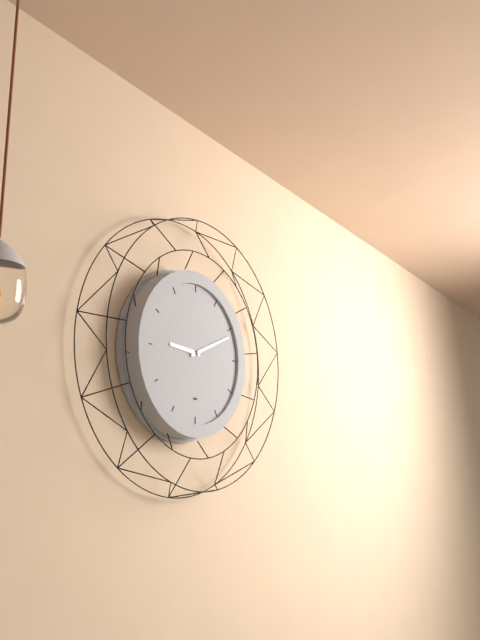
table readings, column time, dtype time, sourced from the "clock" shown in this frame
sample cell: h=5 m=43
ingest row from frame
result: h=9 m=11
